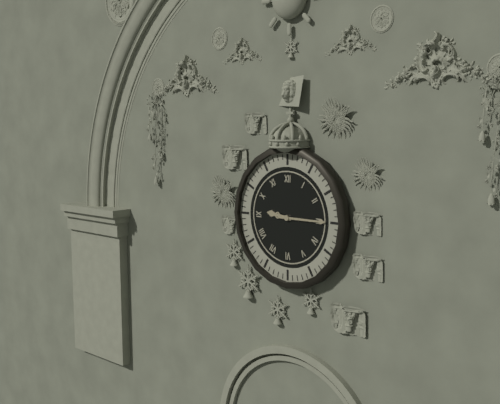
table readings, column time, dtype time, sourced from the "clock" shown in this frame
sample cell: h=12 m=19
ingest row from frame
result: h=9 m=15
